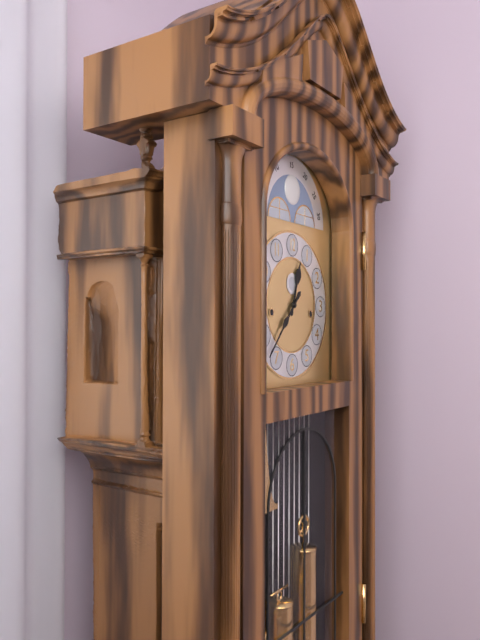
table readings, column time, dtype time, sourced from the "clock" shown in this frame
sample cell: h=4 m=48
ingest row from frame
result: h=12 m=37
